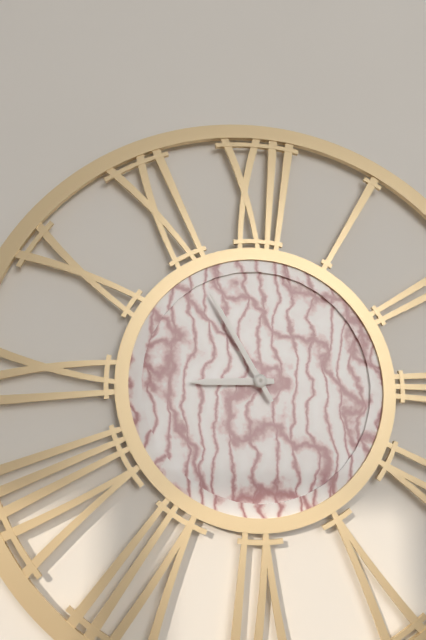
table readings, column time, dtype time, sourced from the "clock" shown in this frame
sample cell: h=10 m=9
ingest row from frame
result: h=8 m=55
